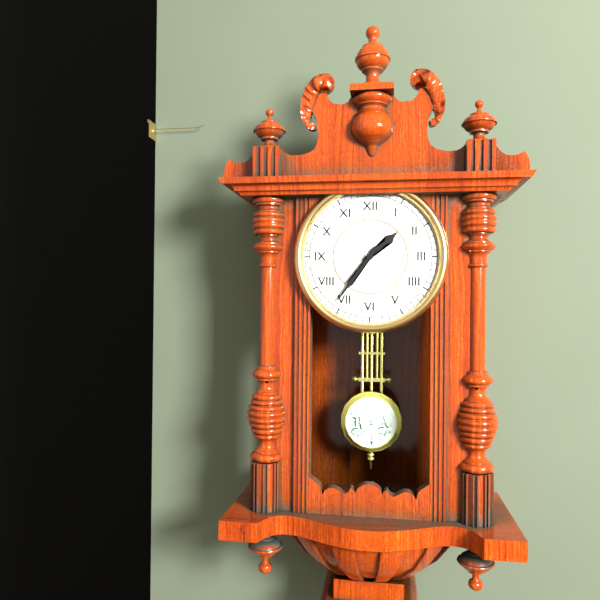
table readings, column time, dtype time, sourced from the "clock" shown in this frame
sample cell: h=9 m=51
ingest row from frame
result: h=1 m=36
